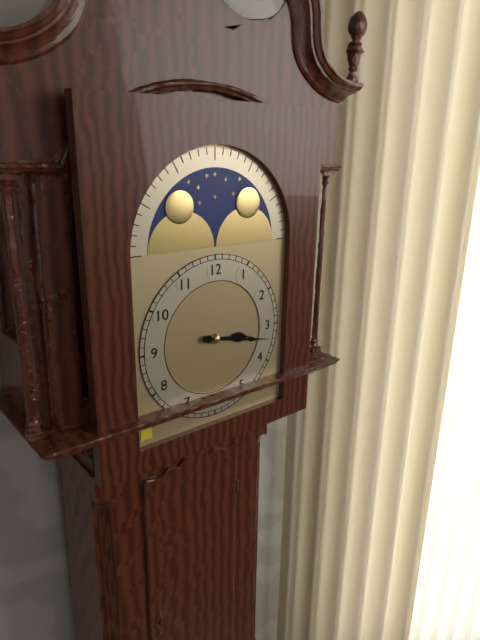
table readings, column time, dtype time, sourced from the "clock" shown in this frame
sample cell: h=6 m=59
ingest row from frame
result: h=3 m=17
